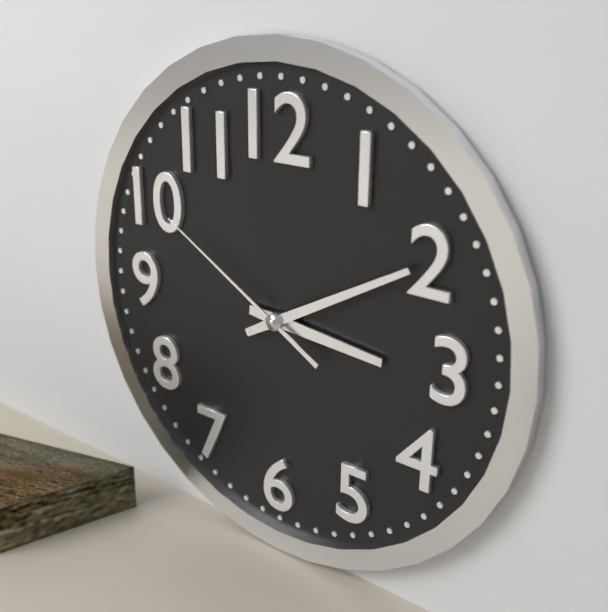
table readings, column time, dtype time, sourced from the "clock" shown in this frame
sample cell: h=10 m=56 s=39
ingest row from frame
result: h=3 m=10 s=50
